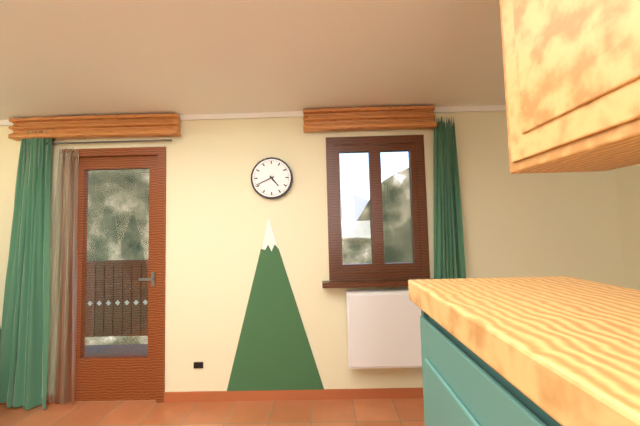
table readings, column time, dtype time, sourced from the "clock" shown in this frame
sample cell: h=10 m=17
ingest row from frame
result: h=4 m=41
